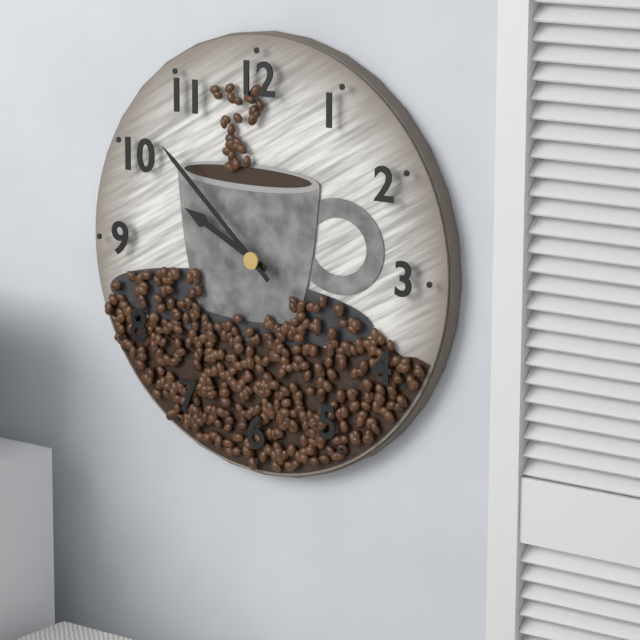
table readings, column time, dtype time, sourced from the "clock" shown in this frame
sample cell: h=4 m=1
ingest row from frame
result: h=9 m=52
